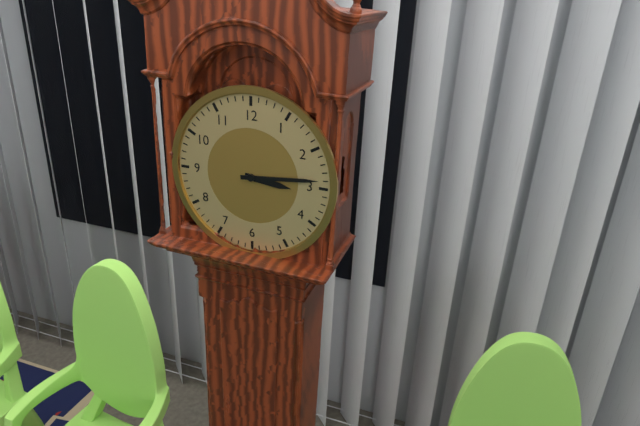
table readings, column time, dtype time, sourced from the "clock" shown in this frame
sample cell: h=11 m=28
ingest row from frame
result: h=3 m=14
